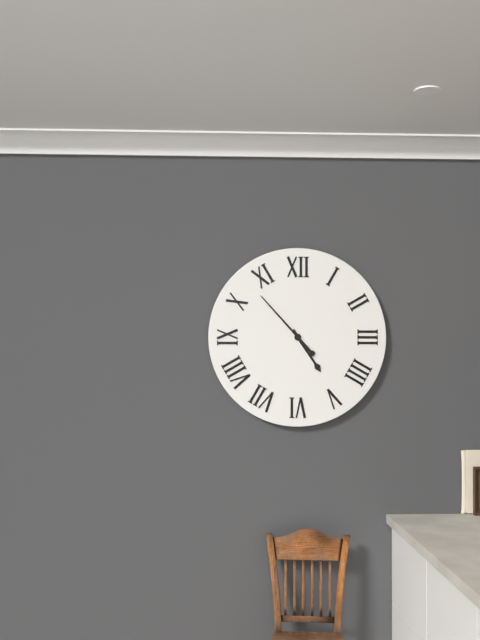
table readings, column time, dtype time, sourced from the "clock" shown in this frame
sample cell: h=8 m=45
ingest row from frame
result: h=4 m=53
